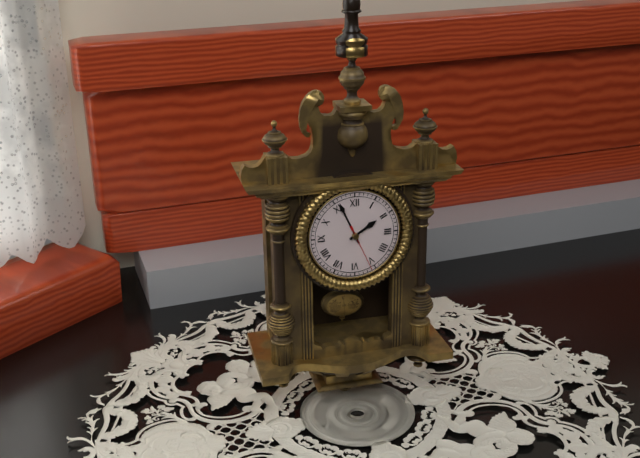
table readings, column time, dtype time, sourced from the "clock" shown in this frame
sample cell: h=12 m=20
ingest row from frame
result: h=1 m=56
